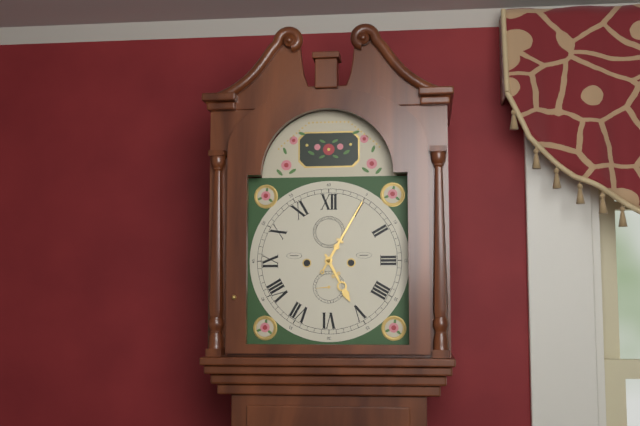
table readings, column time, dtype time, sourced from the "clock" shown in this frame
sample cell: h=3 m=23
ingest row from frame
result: h=5 m=5
